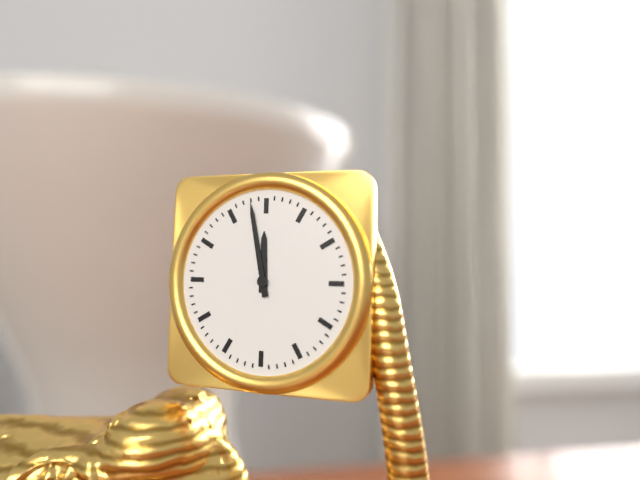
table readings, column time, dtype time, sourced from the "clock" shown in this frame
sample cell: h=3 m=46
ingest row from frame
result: h=11 m=58
